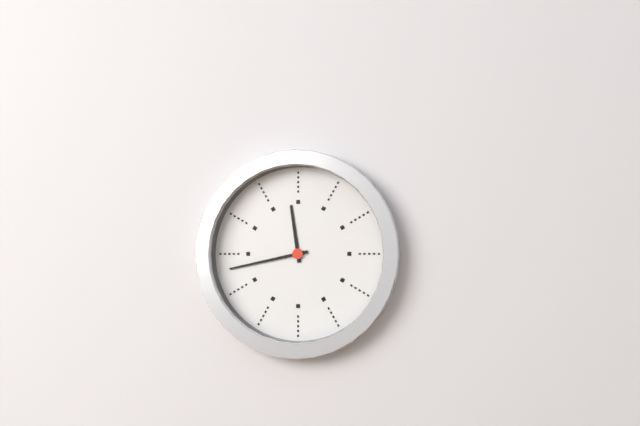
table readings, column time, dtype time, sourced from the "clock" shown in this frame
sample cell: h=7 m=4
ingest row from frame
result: h=11 m=43
